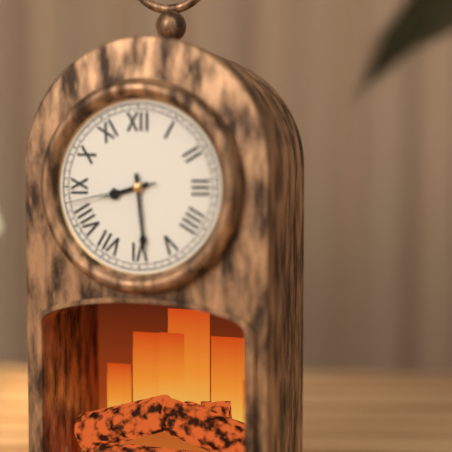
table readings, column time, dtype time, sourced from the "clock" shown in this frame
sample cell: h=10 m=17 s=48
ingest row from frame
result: h=8 m=29 s=43
